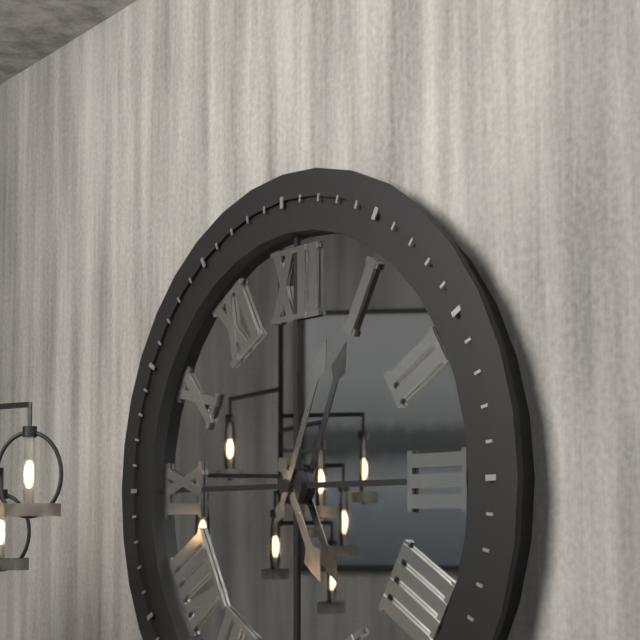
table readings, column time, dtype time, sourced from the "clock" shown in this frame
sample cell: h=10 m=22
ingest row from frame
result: h=5 m=4
